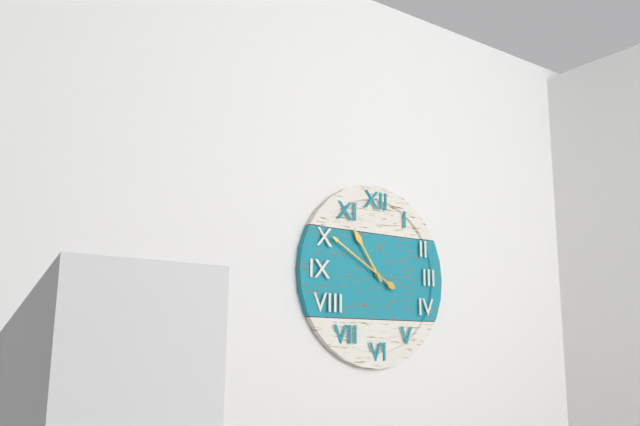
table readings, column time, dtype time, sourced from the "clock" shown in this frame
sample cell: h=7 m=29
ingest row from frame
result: h=10 m=50
